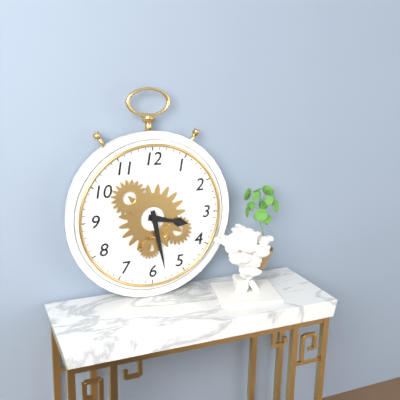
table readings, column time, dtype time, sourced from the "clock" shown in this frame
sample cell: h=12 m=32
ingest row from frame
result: h=3 m=28
